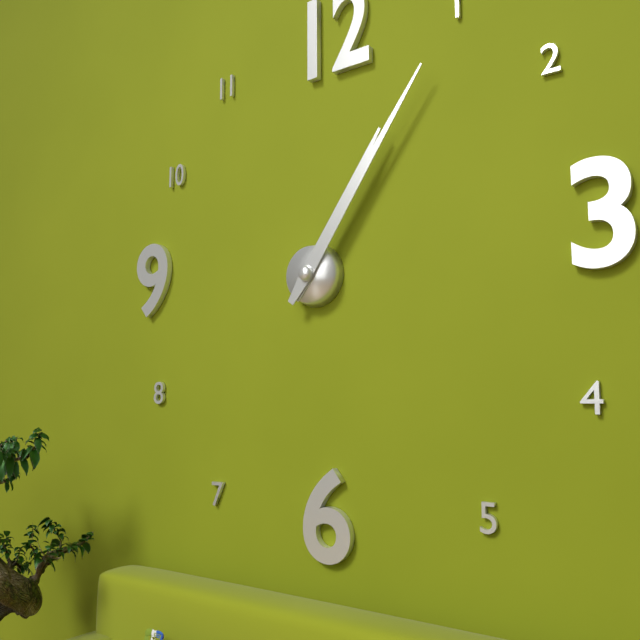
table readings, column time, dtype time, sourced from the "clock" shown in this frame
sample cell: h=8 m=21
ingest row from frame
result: h=1 m=6
